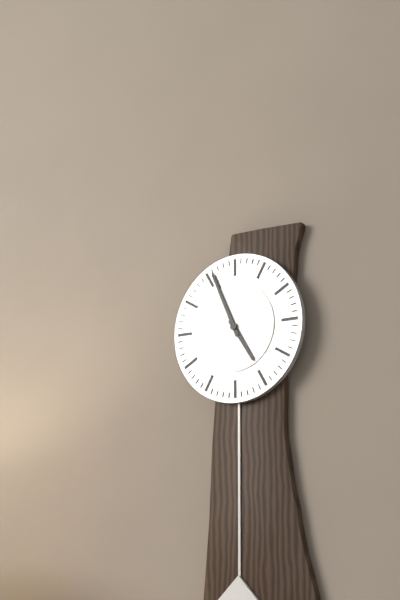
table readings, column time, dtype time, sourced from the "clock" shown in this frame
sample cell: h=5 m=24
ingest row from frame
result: h=4 m=56
